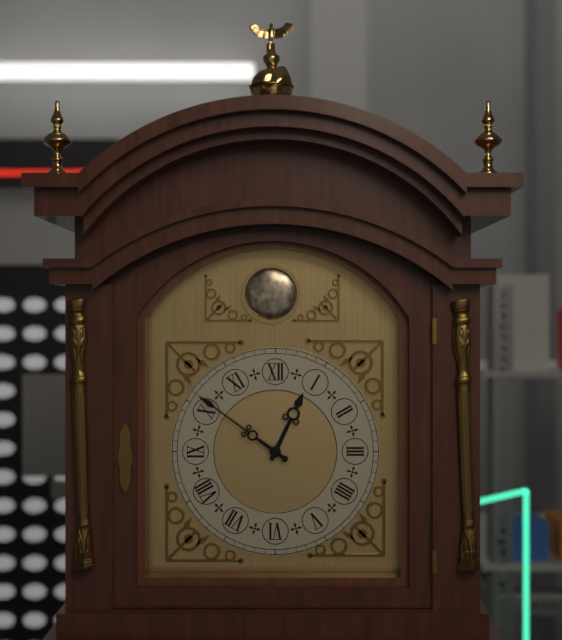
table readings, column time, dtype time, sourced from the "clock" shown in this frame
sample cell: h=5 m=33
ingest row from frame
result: h=12 m=51
